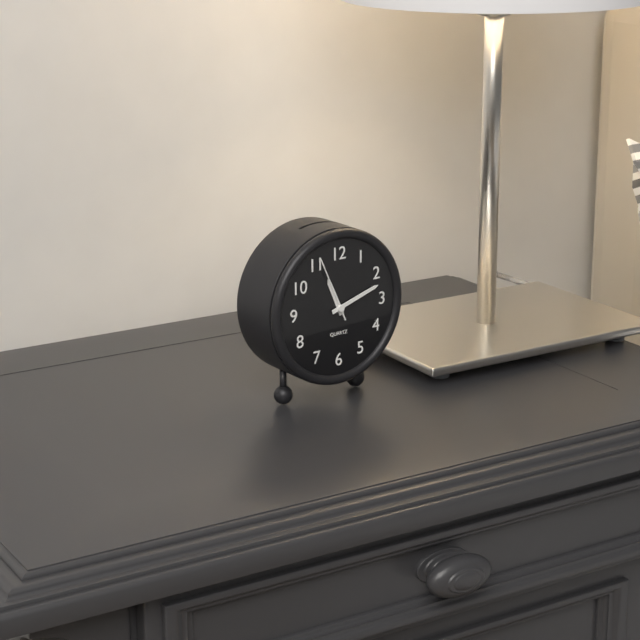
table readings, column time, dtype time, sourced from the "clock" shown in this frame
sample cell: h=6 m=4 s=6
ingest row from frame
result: h=11 m=12 s=56
